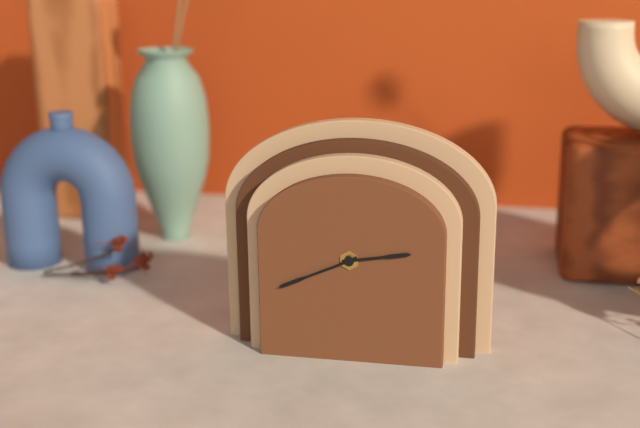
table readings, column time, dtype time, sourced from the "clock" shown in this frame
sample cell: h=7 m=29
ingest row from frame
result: h=2 m=41
